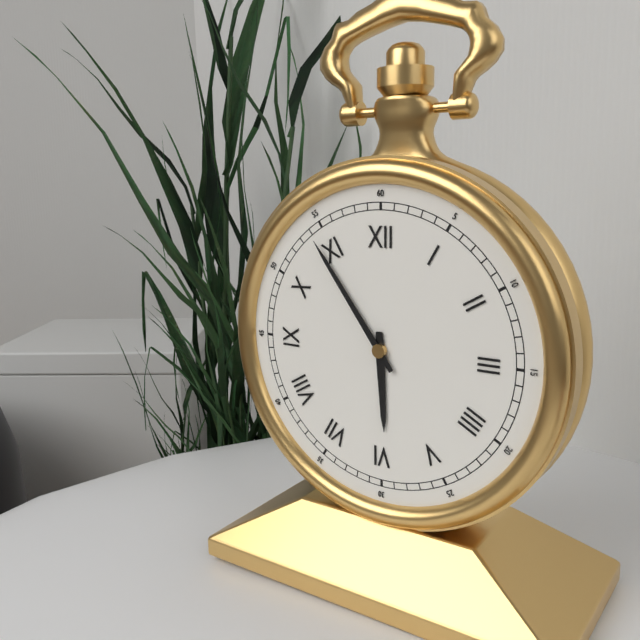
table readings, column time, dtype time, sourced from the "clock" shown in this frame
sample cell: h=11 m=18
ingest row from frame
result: h=5 m=54
